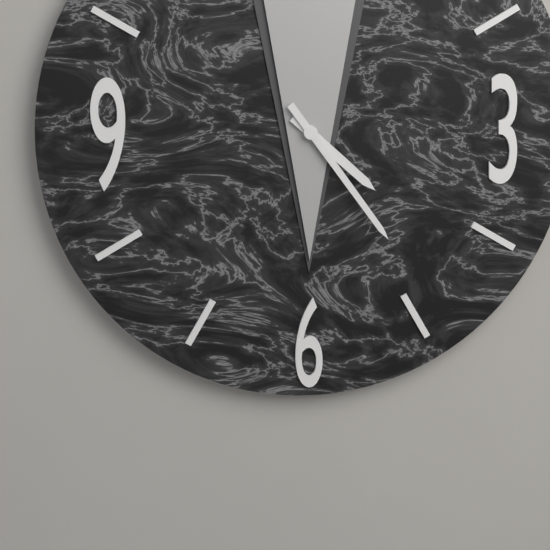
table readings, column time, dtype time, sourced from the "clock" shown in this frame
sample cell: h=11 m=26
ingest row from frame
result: h=4 m=24
